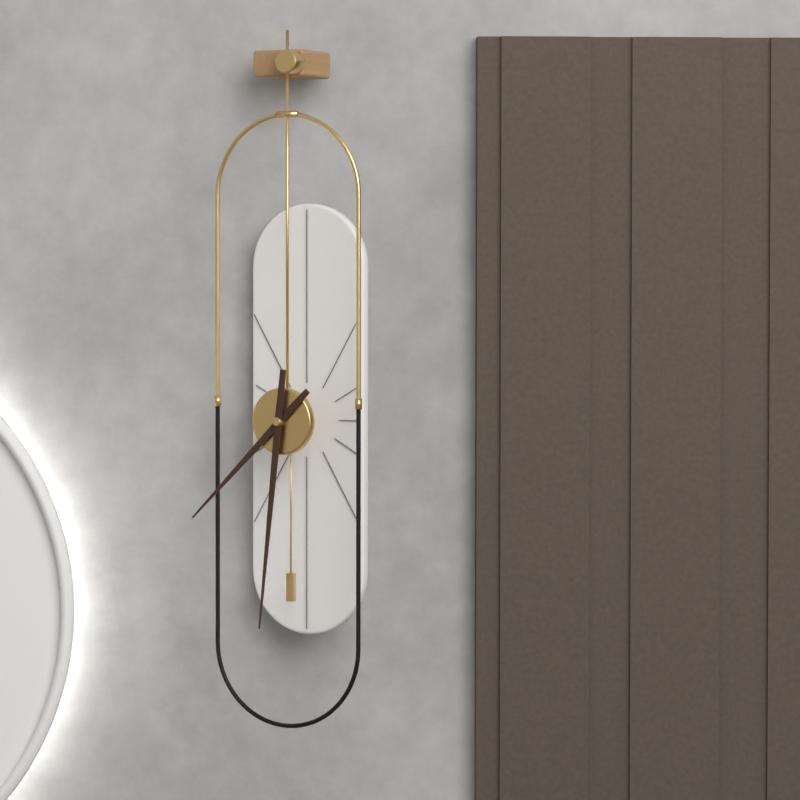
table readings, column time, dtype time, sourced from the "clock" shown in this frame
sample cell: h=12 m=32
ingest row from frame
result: h=7 m=31
